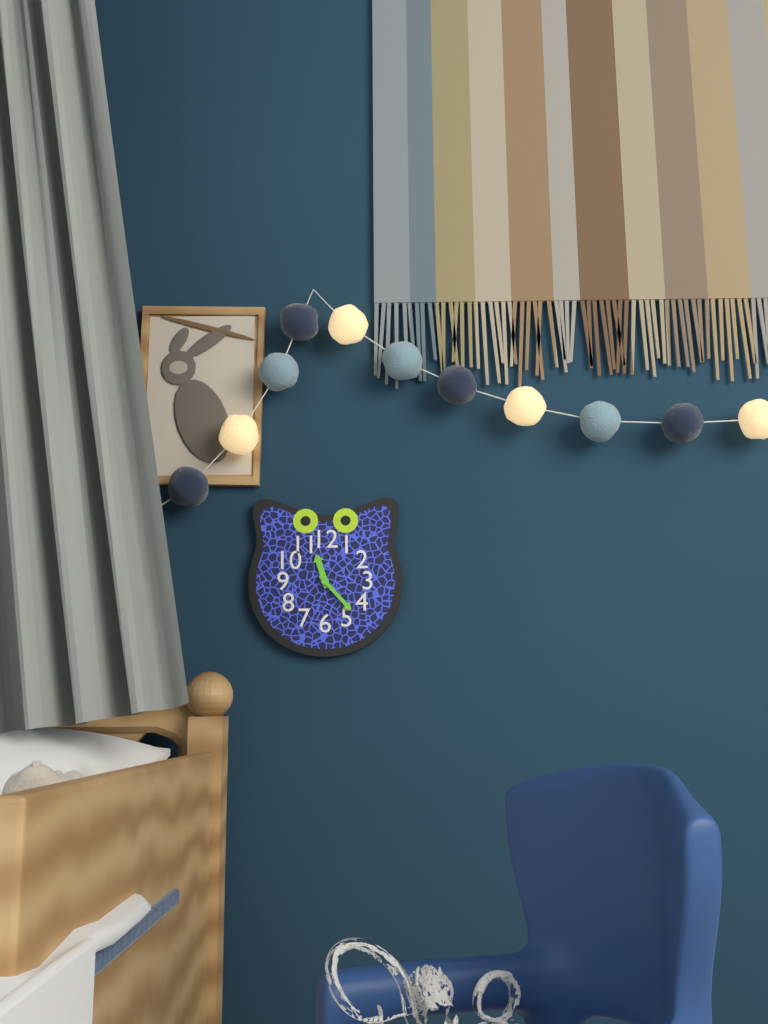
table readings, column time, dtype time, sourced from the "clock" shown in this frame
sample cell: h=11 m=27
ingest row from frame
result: h=11 m=23
